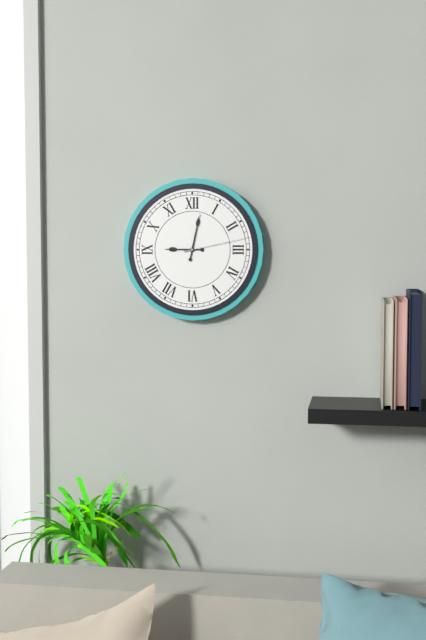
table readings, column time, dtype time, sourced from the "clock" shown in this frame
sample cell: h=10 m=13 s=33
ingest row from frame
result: h=9 m=2 s=13
